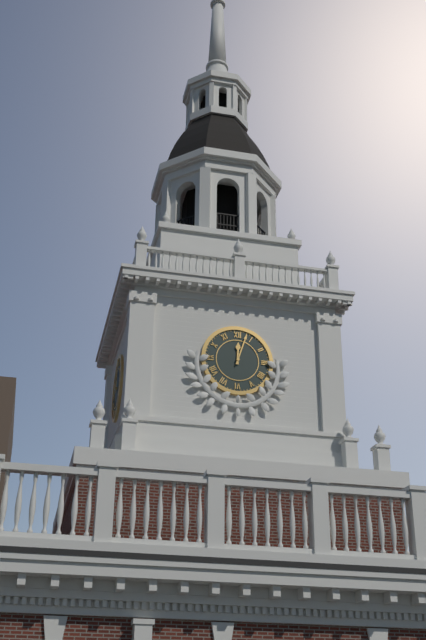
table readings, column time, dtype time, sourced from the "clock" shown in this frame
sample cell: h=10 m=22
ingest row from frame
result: h=12 m=3
